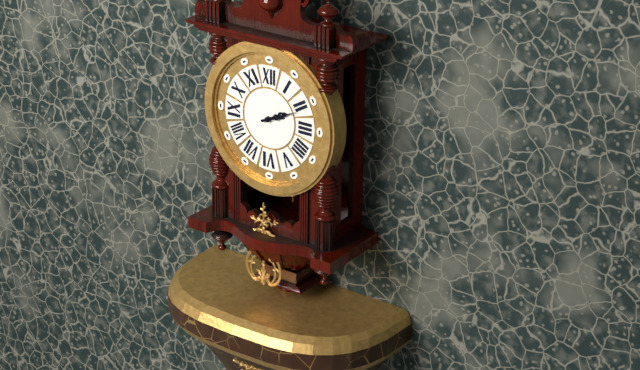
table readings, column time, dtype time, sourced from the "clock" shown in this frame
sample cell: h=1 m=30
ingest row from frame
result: h=2 m=11
